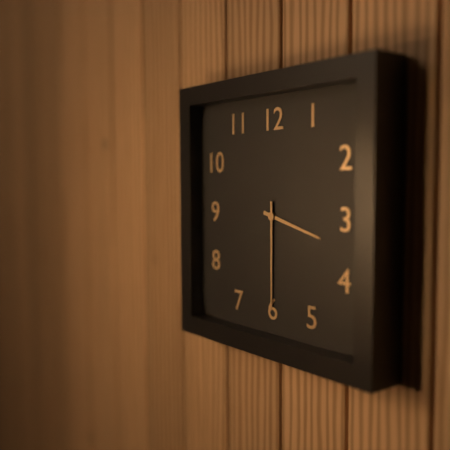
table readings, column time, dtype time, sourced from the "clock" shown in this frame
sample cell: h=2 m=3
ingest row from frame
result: h=3 m=30
